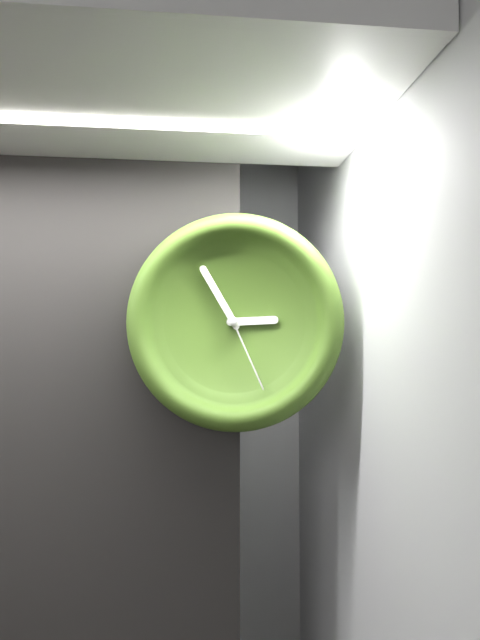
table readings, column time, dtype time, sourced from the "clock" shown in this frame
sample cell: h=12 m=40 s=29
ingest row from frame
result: h=2 m=55 s=26
